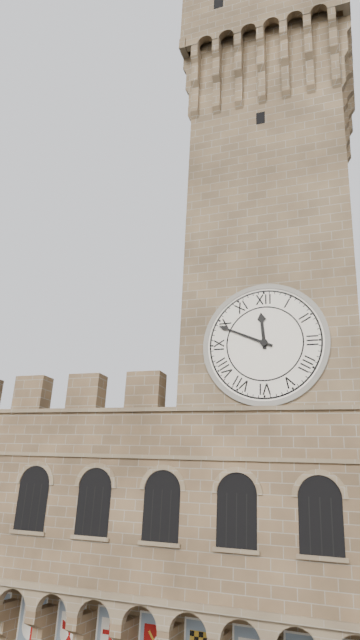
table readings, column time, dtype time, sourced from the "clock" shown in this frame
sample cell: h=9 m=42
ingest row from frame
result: h=11 m=49
